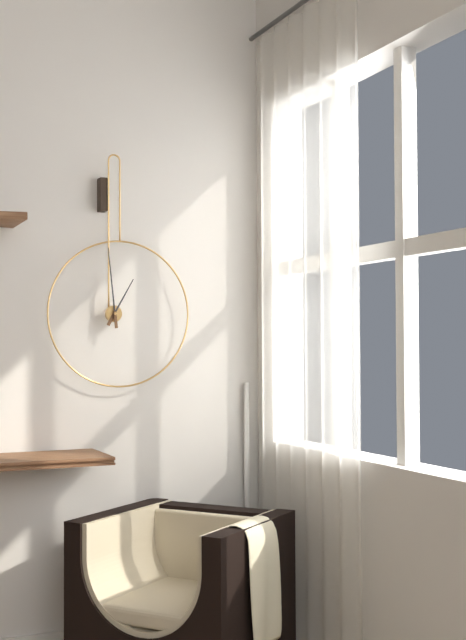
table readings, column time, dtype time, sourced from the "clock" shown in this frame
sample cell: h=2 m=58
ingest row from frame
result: h=12 m=59
